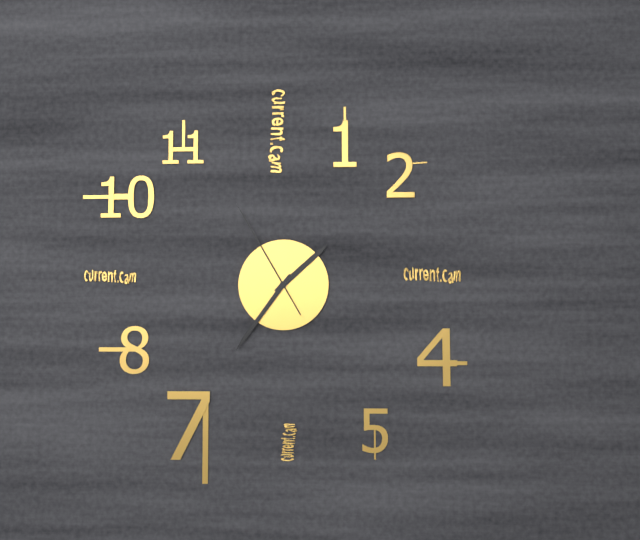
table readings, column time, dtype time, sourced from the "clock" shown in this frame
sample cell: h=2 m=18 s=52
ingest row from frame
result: h=1 m=36 s=55
